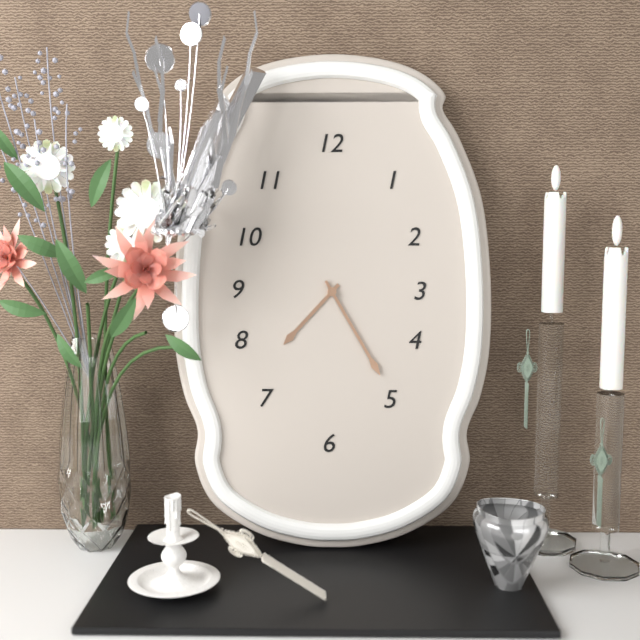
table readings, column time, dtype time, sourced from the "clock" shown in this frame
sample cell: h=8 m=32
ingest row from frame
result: h=7 m=25
